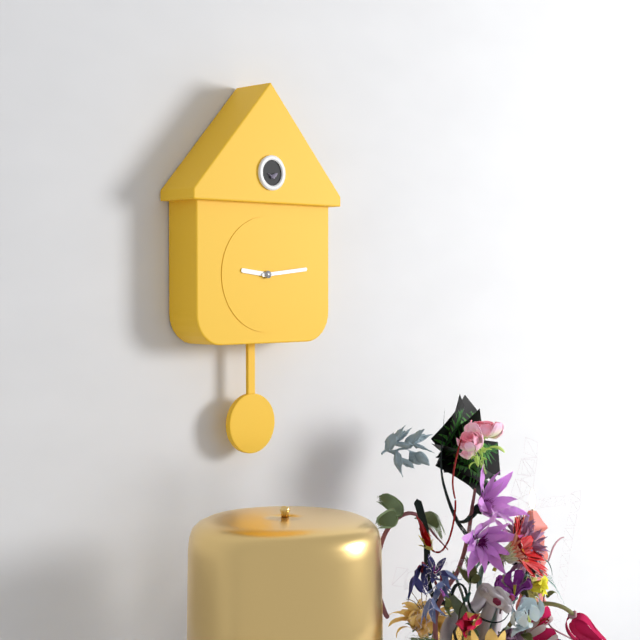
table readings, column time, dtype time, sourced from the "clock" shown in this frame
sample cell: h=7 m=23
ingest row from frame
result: h=9 m=14
